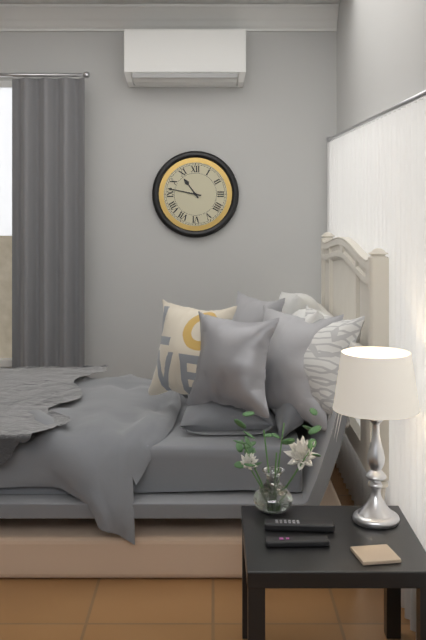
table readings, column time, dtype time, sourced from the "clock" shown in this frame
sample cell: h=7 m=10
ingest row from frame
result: h=10 m=47
